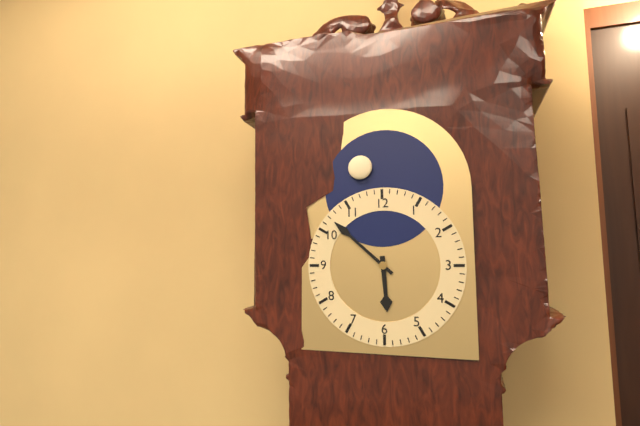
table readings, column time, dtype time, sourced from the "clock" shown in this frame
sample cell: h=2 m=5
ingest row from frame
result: h=5 m=52
